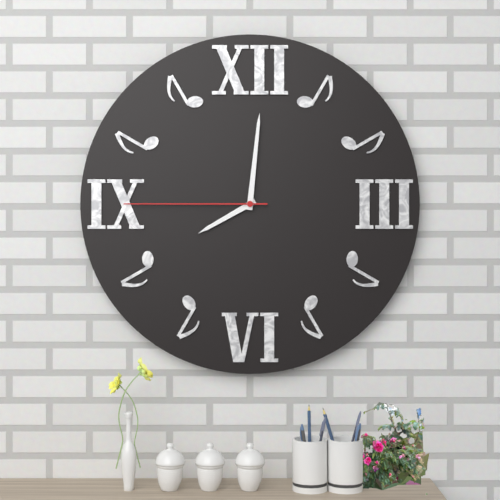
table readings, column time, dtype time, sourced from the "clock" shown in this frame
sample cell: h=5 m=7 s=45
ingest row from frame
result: h=8 m=1 s=45
